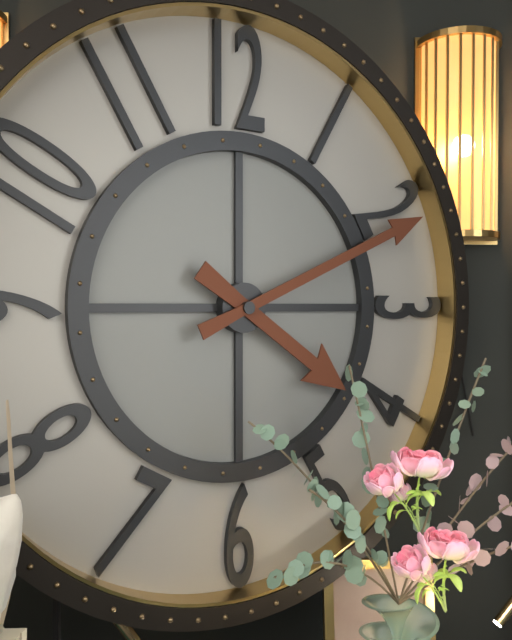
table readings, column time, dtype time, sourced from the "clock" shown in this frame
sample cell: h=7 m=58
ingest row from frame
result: h=4 m=11
